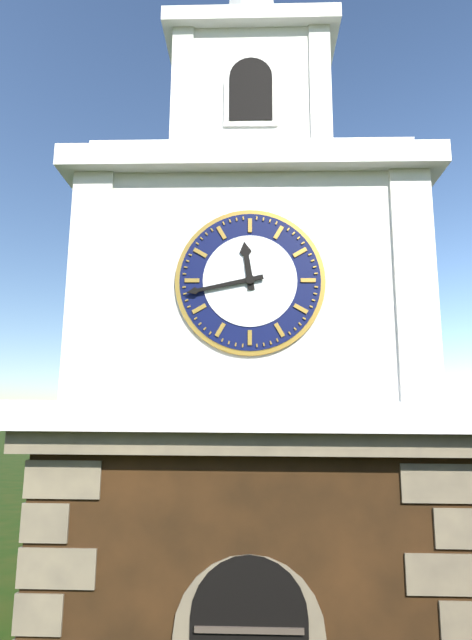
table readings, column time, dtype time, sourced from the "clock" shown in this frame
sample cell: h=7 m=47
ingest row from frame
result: h=11 m=43
